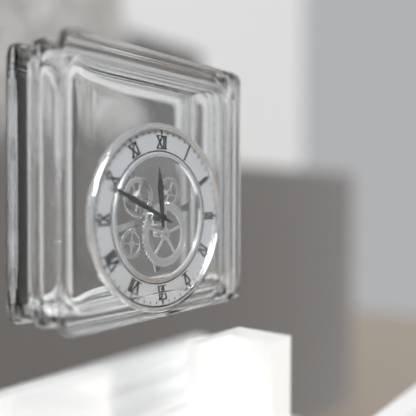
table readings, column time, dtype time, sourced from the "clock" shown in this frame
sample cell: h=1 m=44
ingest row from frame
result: h=11 m=49
